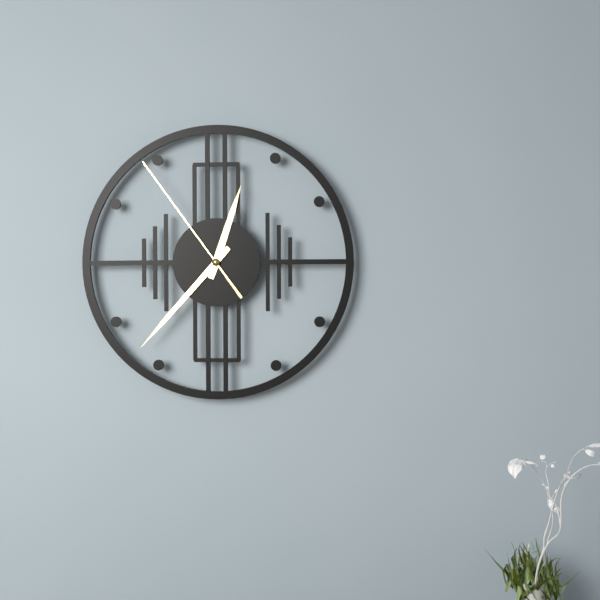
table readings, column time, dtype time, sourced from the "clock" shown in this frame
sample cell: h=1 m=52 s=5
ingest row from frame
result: h=12 m=37 s=54
